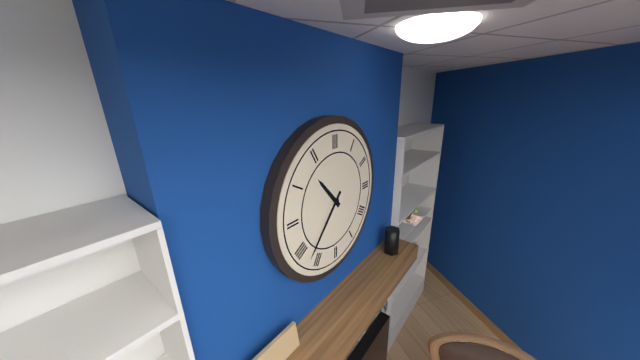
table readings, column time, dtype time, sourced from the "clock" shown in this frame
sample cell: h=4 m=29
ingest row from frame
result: h=10 m=37
